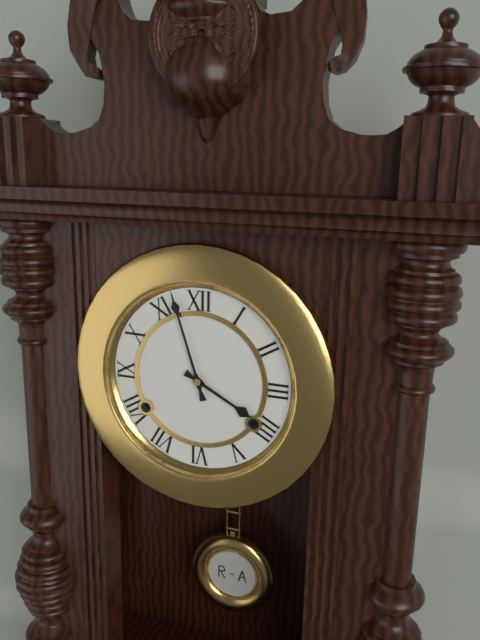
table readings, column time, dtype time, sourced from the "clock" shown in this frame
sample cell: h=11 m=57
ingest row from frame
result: h=3 m=57
